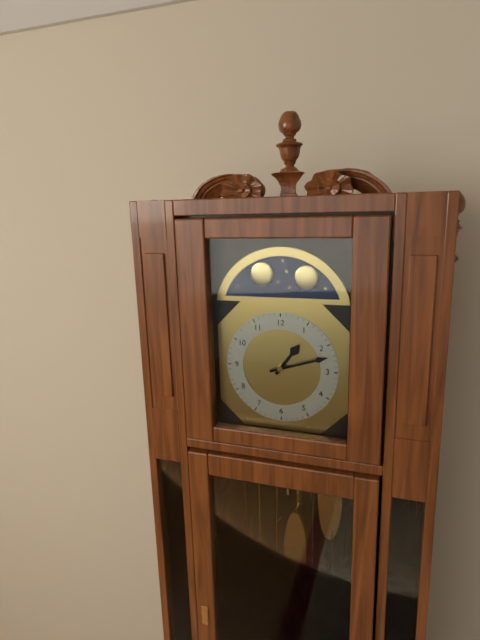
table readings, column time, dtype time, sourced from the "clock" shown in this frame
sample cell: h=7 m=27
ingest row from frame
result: h=1 m=12
